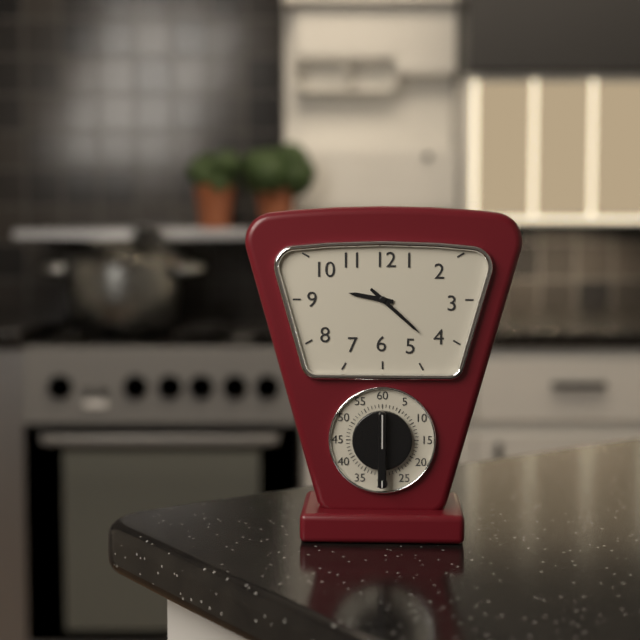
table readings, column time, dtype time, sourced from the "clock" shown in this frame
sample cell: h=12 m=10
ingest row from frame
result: h=9 m=22
